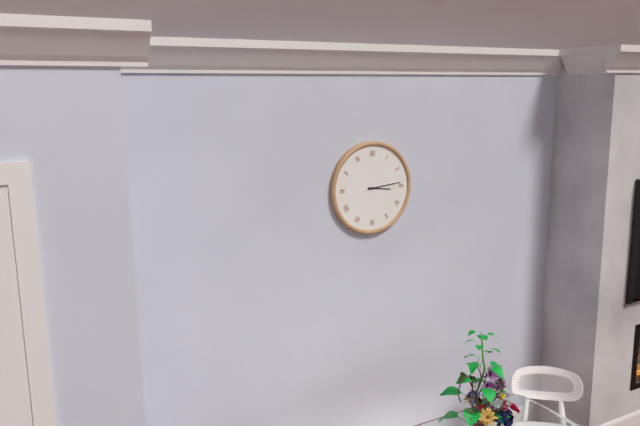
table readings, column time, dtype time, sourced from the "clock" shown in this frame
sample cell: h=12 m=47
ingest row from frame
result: h=3 m=14
